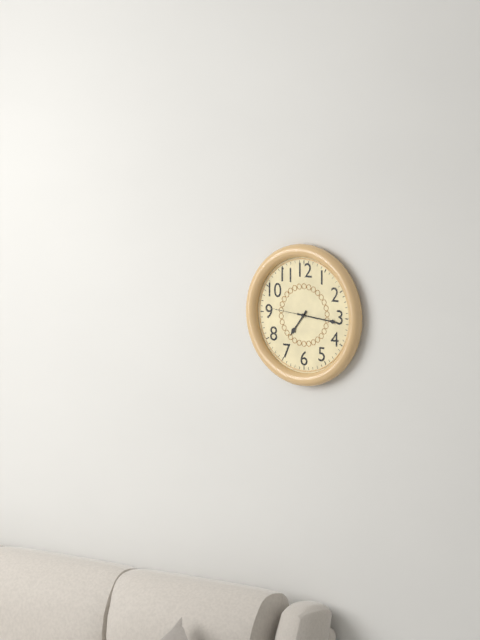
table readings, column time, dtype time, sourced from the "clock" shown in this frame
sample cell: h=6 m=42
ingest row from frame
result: h=7 m=16
